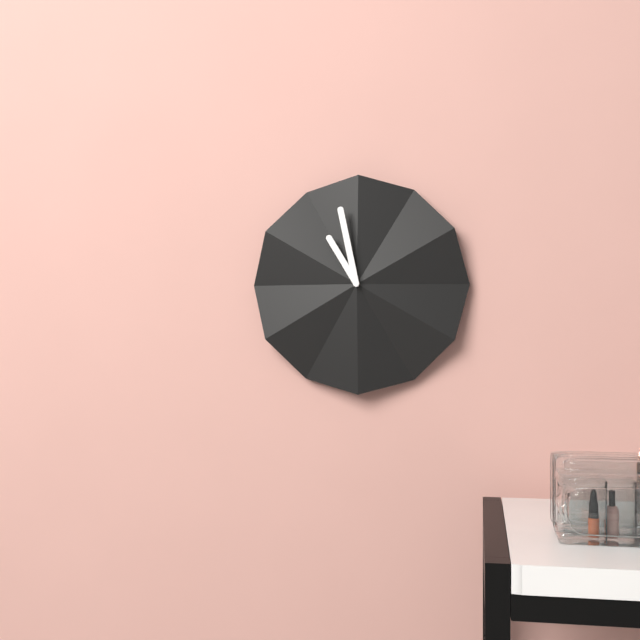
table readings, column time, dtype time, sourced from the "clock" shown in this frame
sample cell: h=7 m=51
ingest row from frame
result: h=10 m=58
